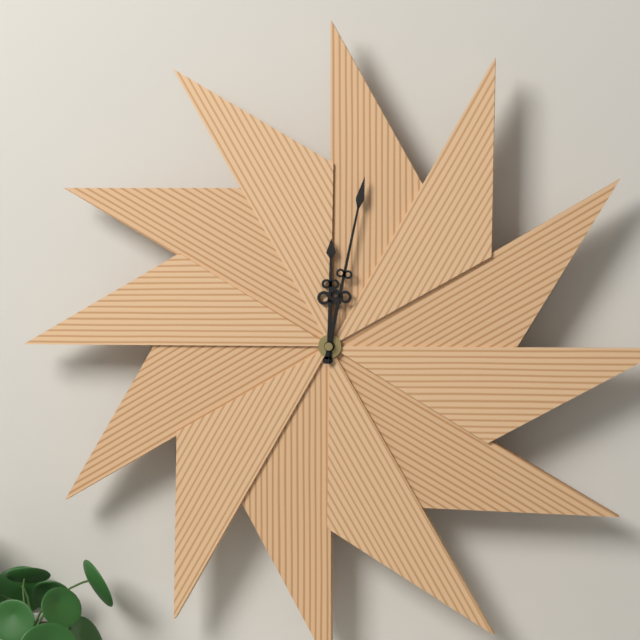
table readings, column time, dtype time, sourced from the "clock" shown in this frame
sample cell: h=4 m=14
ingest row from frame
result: h=12 m=2
